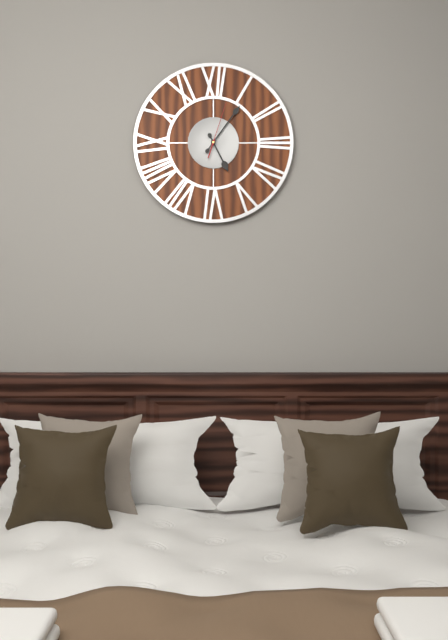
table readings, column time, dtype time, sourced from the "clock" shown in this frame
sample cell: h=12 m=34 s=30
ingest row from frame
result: h=5 m=6 s=3
